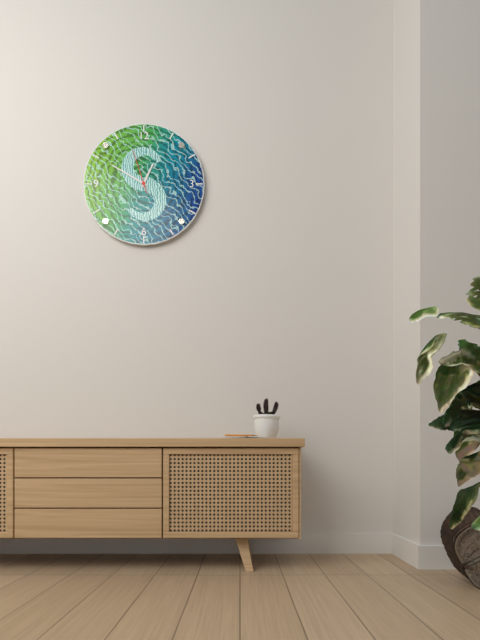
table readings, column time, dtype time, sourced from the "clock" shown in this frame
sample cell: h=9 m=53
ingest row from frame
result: h=12 m=50
